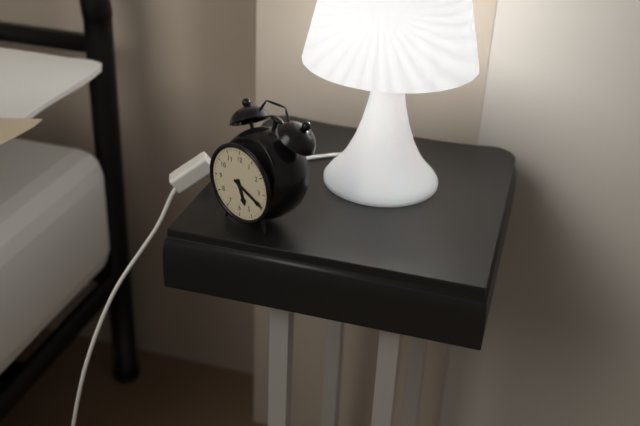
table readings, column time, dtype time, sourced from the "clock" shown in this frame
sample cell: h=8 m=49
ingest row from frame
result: h=5 m=19
